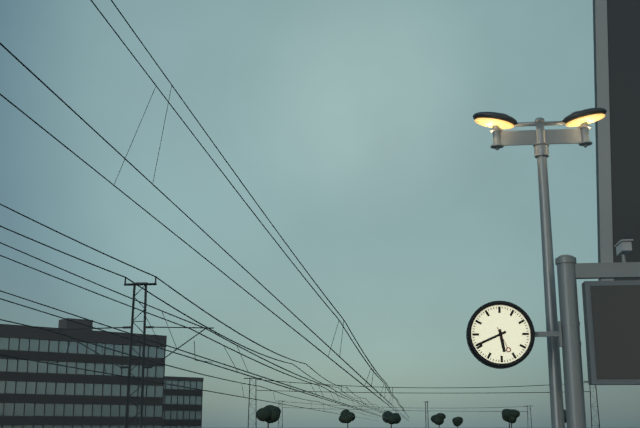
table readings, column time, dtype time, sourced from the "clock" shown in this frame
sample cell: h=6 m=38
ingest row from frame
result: h=5 m=41
